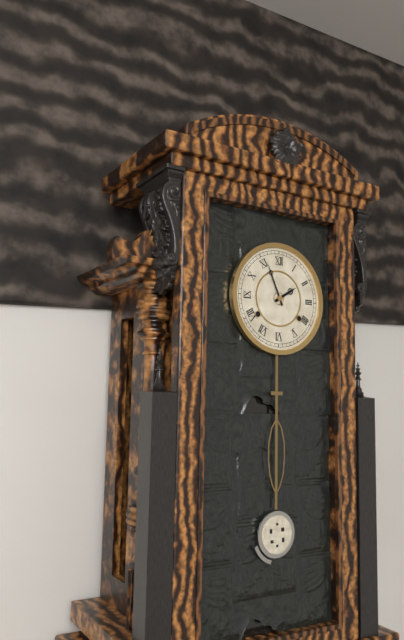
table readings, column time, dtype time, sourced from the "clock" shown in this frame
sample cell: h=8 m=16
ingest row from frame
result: h=1 m=56
